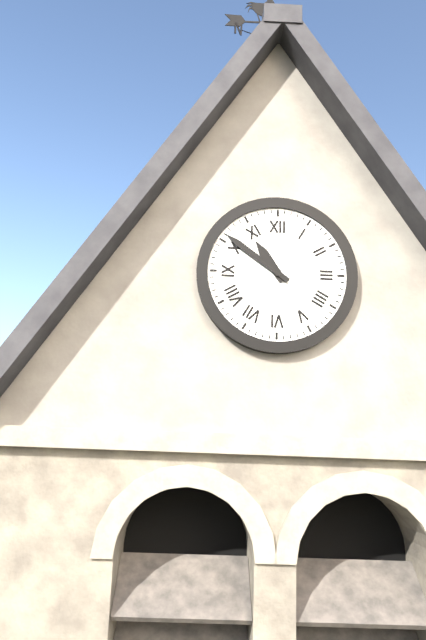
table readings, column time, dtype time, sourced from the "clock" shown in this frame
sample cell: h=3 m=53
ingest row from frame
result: h=10 m=51
